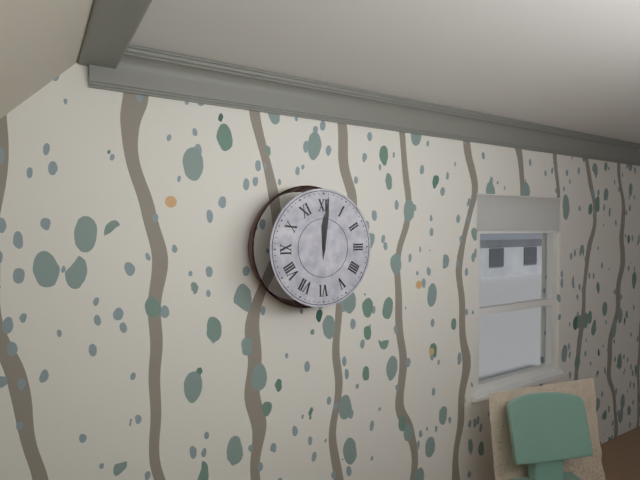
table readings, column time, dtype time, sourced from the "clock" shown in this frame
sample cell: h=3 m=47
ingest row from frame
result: h=12 m=1
